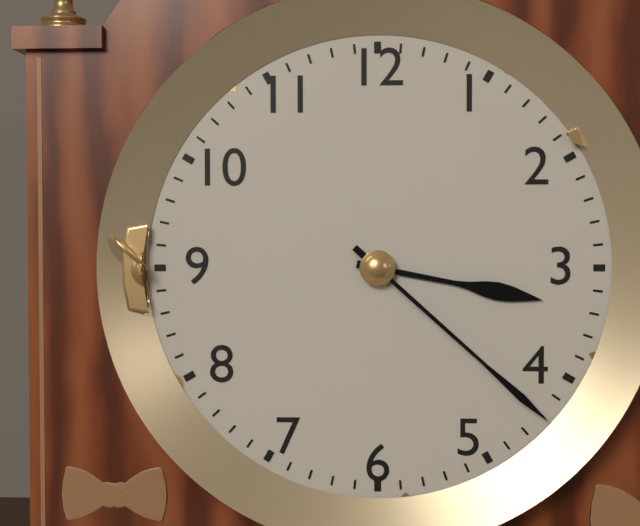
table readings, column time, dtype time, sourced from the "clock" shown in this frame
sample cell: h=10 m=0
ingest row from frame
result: h=3 m=22
